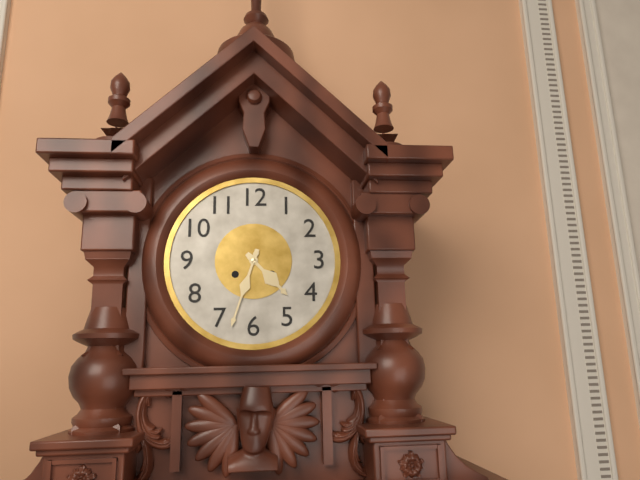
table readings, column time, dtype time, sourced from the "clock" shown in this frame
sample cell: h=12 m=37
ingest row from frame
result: h=4 m=33
